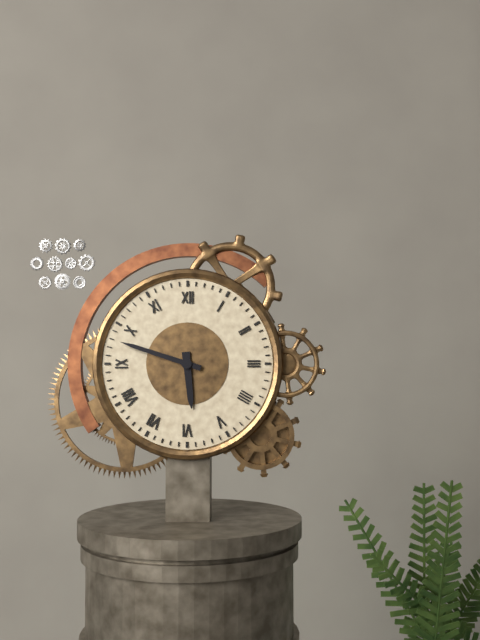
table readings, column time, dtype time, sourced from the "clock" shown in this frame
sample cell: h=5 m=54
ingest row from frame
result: h=5 m=48
